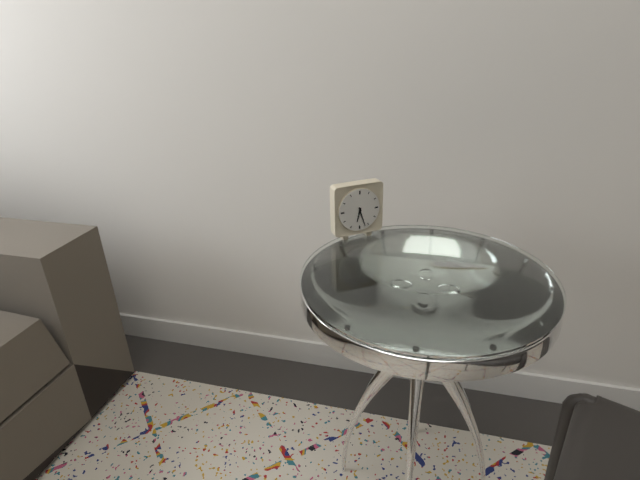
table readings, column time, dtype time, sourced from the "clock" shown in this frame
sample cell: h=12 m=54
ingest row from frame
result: h=6 m=27
